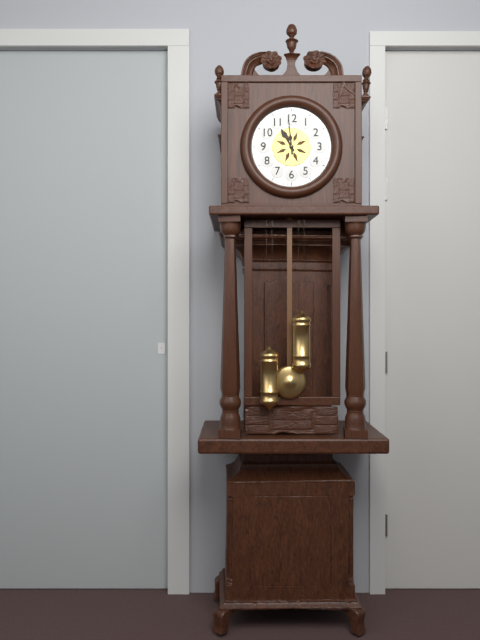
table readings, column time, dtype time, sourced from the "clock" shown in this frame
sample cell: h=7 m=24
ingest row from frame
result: h=10 m=59
